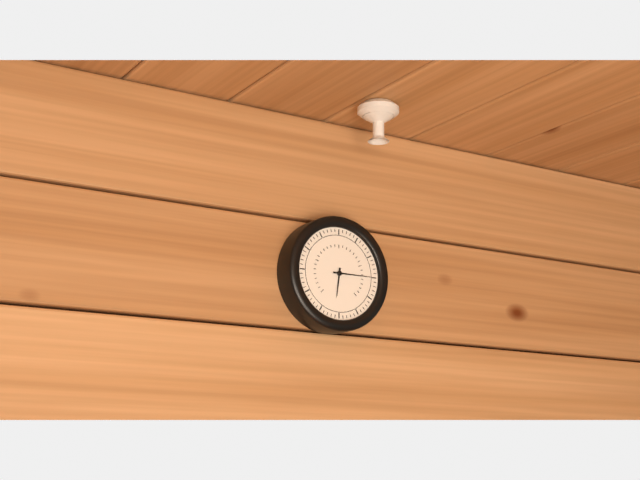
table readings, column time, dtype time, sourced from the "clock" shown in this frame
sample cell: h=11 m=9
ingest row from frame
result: h=6 m=15
